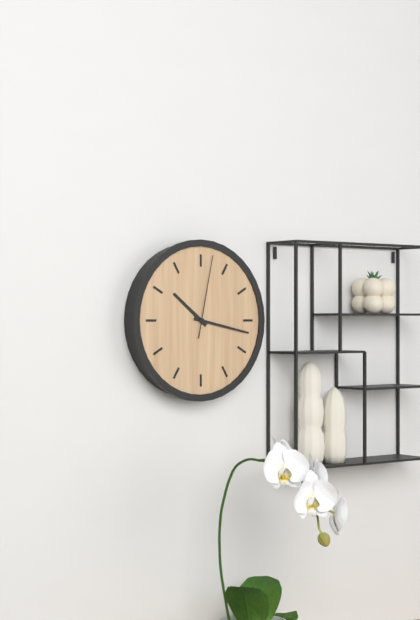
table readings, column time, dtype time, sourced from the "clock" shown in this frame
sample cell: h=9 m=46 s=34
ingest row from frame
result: h=10 m=17 s=2
